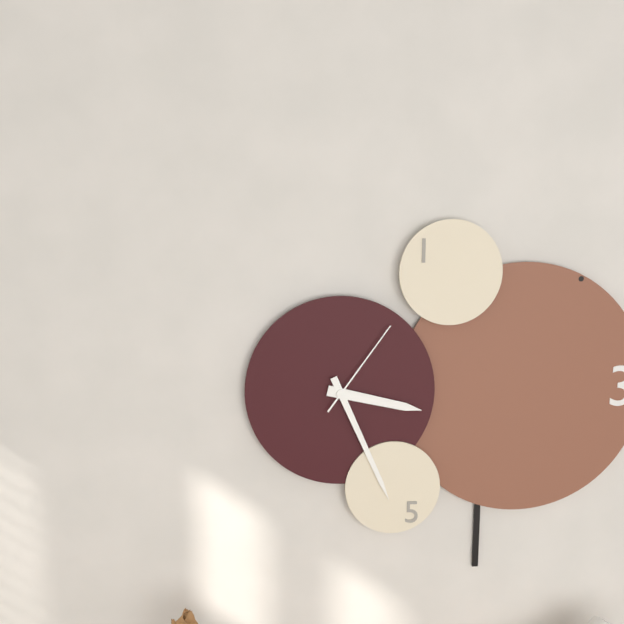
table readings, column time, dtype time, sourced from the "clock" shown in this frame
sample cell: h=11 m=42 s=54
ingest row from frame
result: h=3 m=26 s=6
